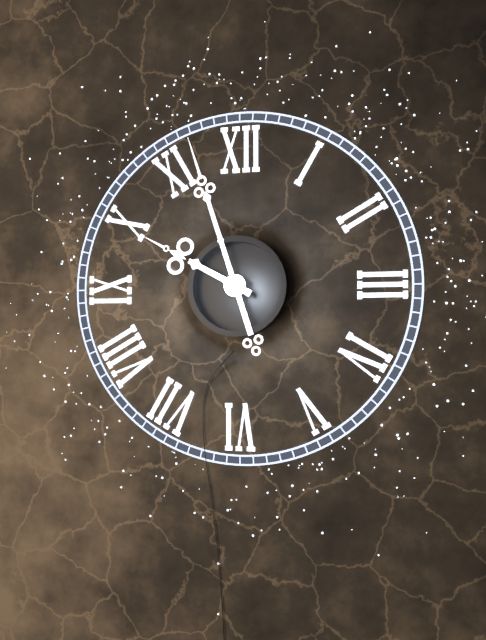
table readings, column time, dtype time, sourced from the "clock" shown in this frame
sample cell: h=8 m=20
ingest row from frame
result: h=9 m=57
